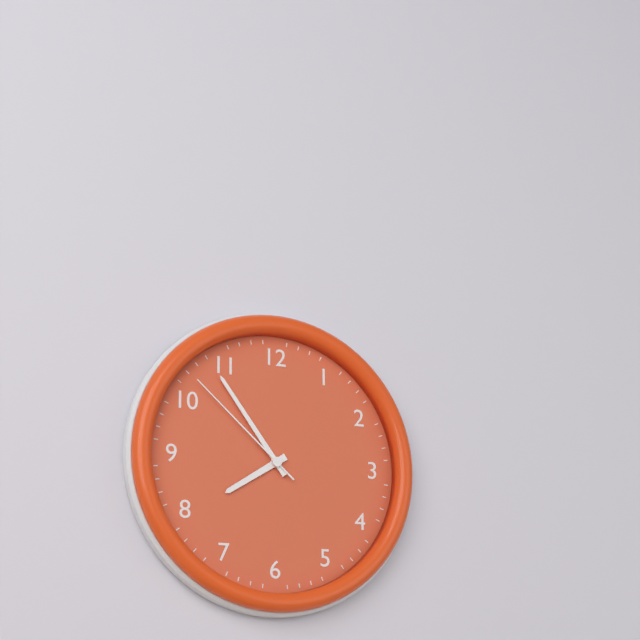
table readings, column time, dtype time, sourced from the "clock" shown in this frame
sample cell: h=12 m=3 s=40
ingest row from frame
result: h=7 m=54 s=52
